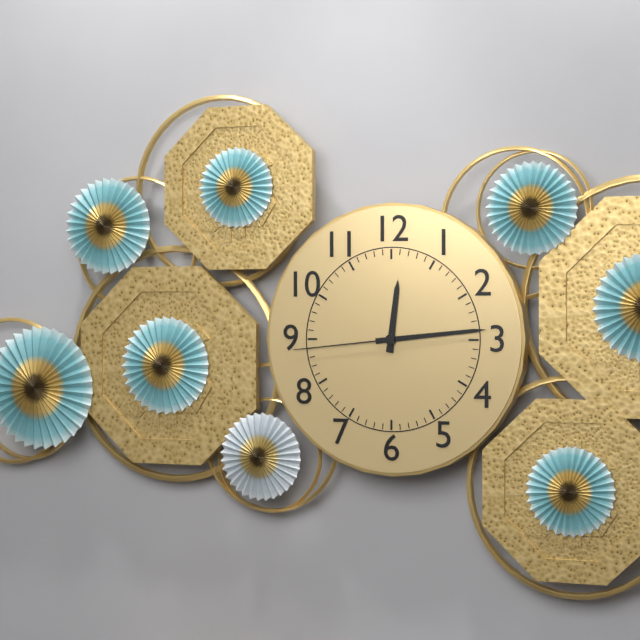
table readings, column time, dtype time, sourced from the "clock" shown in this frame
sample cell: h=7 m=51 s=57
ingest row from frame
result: h=12 m=14 s=44
